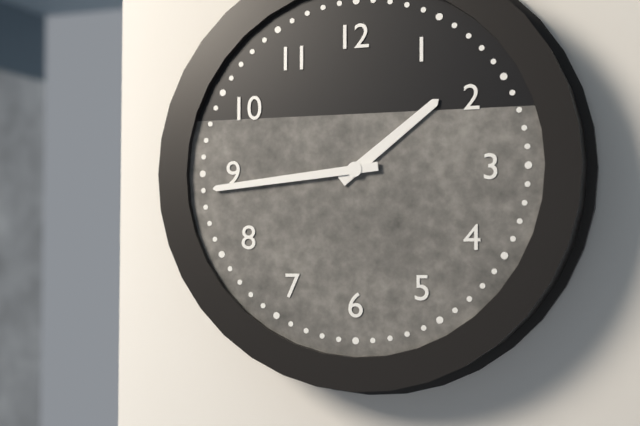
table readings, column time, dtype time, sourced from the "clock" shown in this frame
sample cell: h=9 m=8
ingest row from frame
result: h=1 m=44
